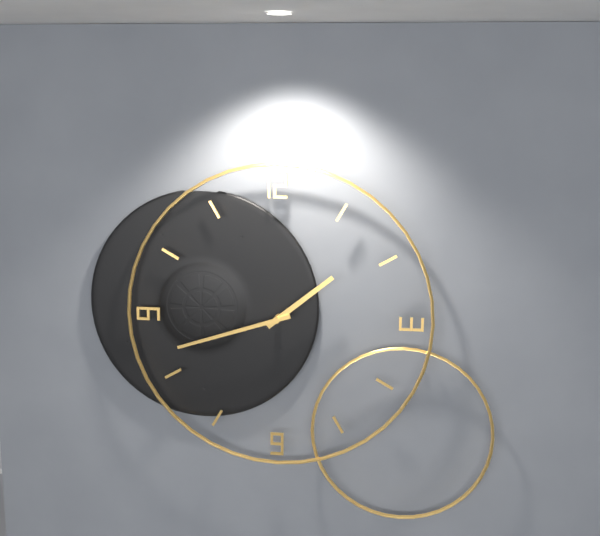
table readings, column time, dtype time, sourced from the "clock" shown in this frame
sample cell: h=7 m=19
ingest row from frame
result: h=1 m=42
